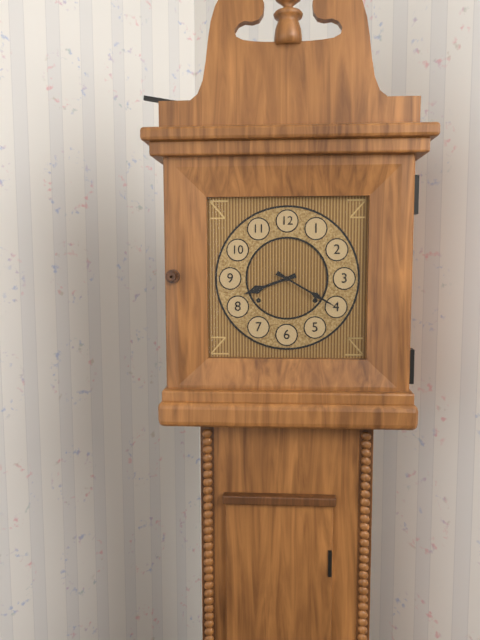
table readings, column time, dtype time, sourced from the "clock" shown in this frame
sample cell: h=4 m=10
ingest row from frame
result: h=8 m=20
